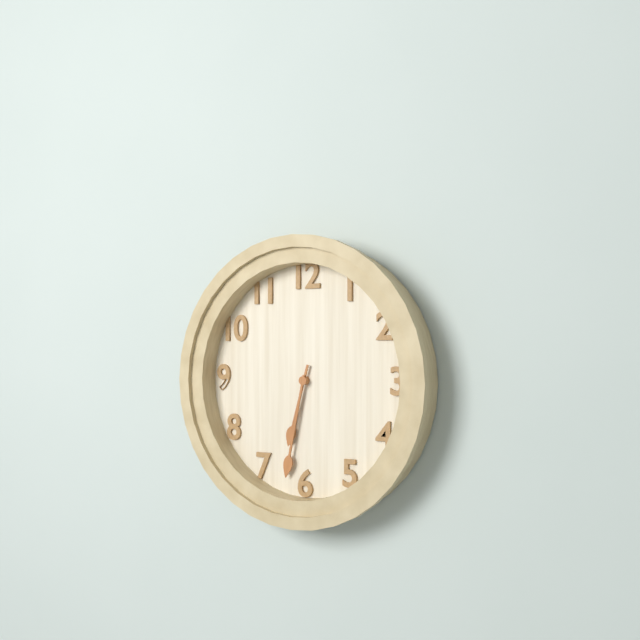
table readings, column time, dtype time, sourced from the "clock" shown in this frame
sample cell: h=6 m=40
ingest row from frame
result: h=6 m=32
